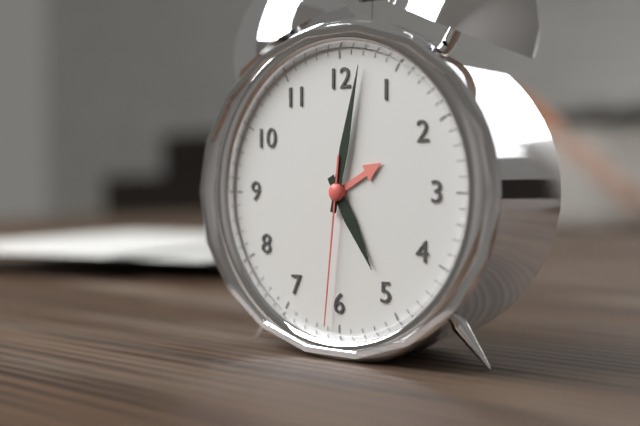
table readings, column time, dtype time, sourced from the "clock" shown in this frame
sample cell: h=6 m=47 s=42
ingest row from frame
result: h=5 m=2 s=31
